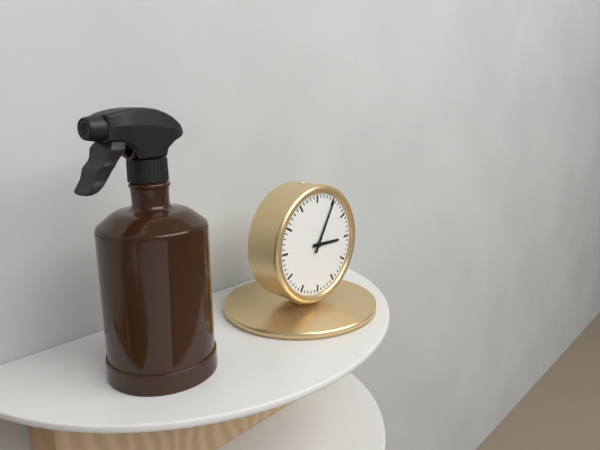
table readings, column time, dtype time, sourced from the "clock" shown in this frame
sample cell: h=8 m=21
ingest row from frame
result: h=3 m=5
